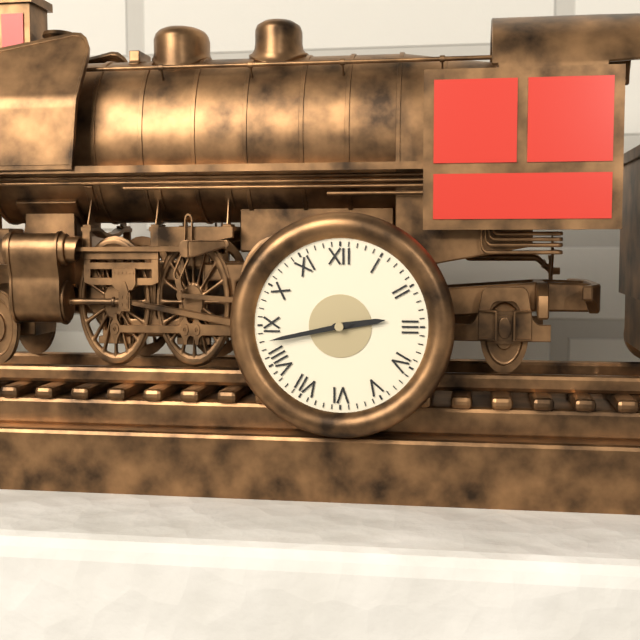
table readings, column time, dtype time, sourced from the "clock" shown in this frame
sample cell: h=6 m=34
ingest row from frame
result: h=2 m=43
